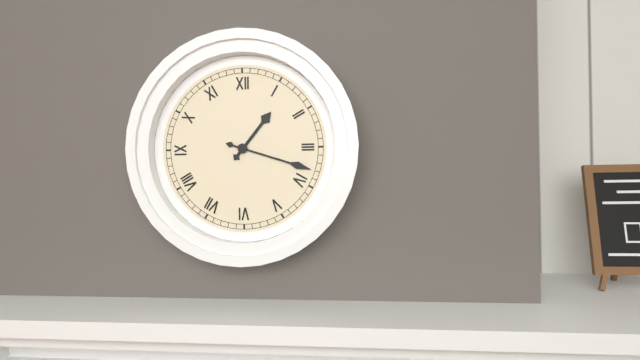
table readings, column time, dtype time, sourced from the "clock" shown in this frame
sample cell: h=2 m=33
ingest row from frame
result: h=1 m=18
